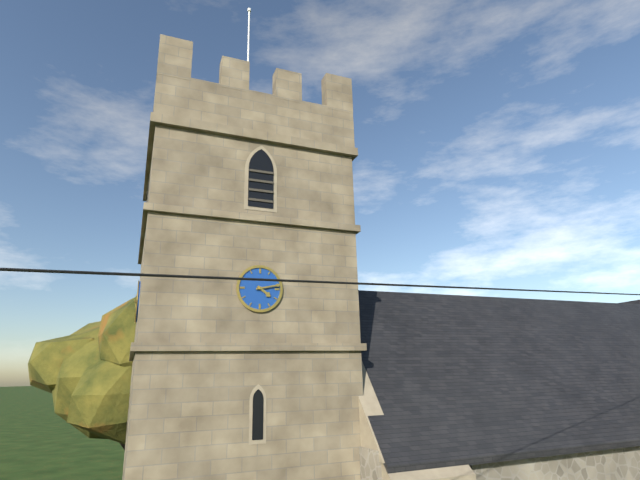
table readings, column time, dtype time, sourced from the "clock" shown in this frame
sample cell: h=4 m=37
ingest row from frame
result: h=4 m=13
